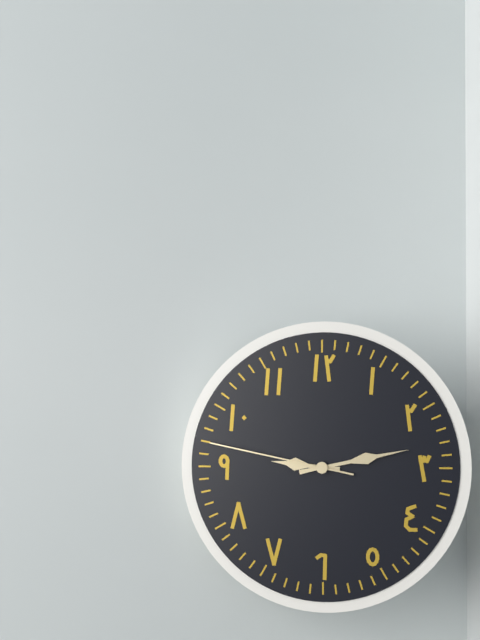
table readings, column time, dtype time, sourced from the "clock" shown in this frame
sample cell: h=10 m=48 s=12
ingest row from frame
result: h=9 m=13 s=47
